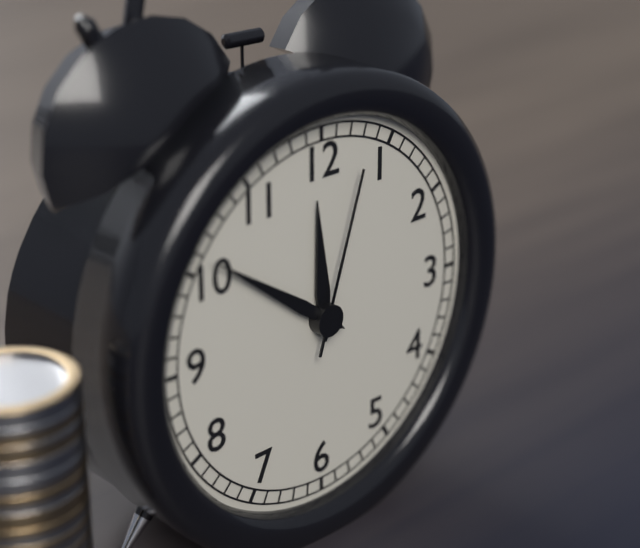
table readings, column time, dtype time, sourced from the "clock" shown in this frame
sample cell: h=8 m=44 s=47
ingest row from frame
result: h=11 m=51 s=3
